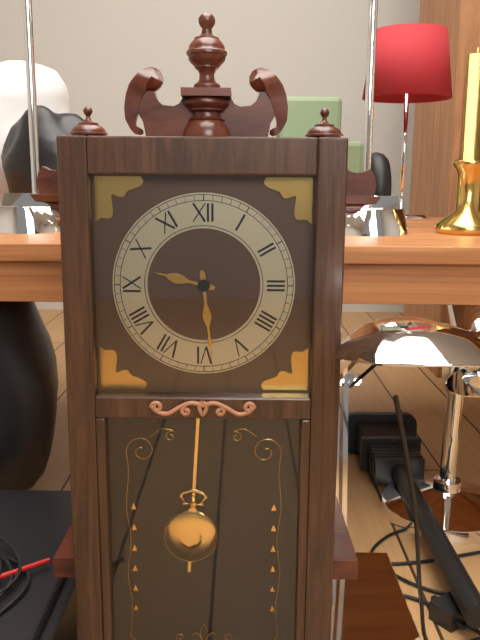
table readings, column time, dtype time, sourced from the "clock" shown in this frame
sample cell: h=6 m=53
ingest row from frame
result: h=9 m=29
